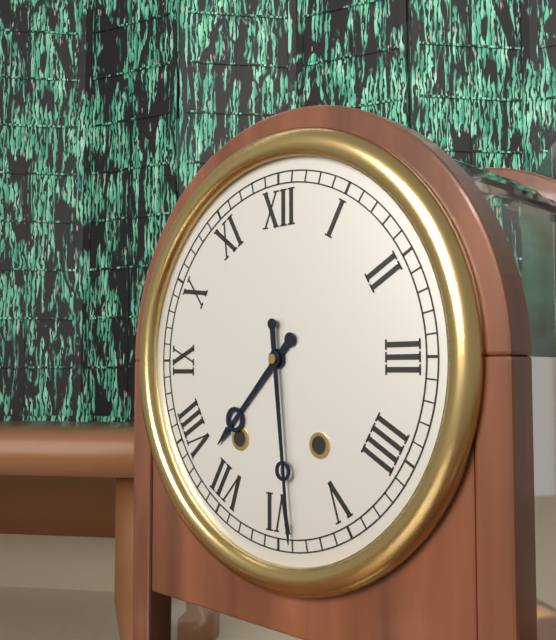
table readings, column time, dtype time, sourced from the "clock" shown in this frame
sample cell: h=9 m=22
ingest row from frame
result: h=7 m=29
